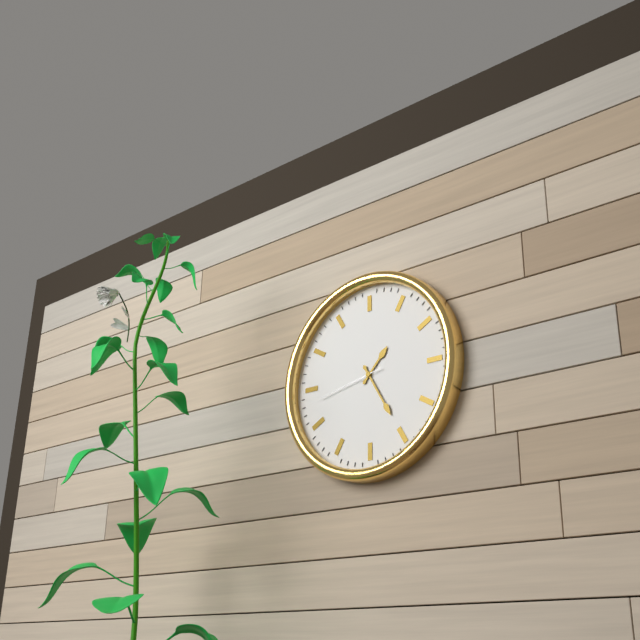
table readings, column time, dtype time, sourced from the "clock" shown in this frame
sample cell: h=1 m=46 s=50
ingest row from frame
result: h=1 m=25 s=43
